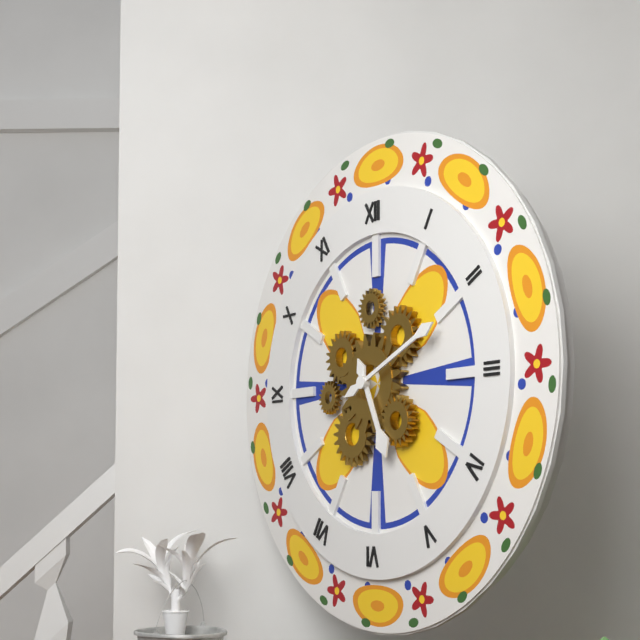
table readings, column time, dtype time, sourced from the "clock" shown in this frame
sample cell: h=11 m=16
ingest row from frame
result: h=5 m=11
